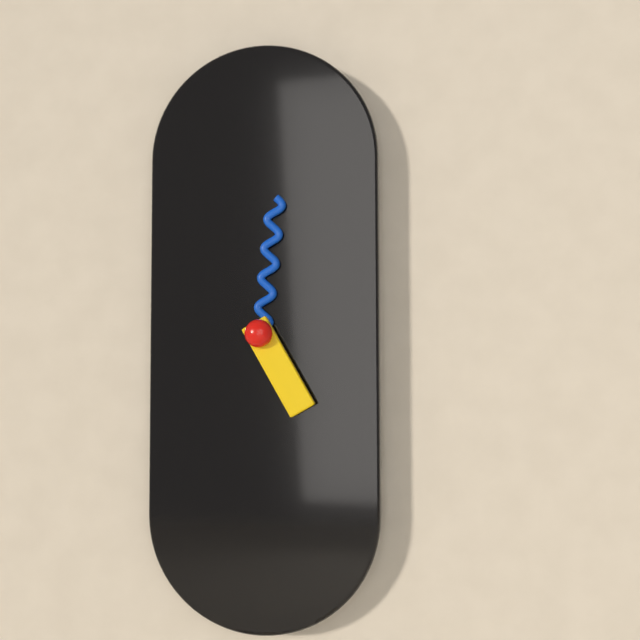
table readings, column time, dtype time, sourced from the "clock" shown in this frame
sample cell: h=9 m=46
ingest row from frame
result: h=5 m=1
